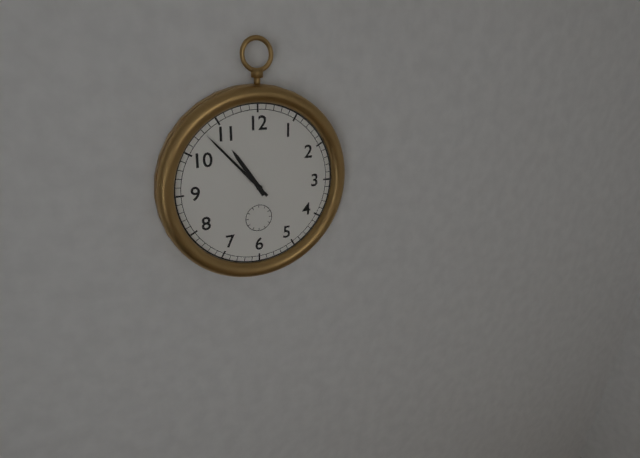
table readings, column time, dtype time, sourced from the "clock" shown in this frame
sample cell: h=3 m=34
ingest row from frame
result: h=10 m=53
